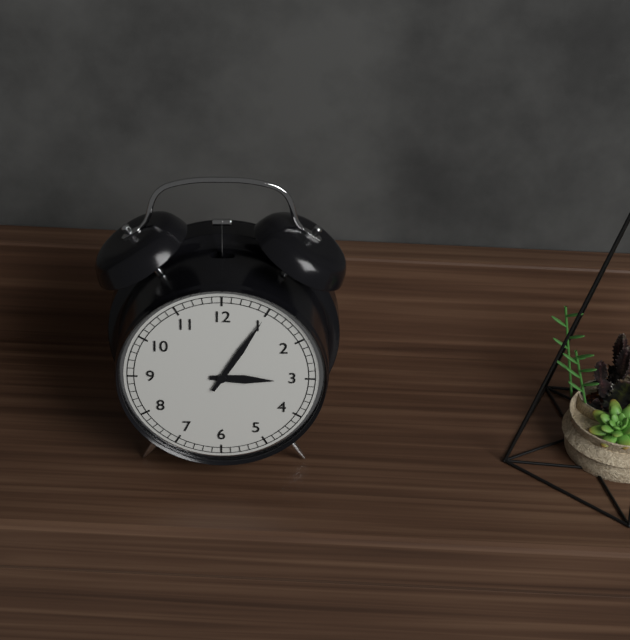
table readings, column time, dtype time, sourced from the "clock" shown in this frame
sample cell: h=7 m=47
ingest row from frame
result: h=3 m=5
